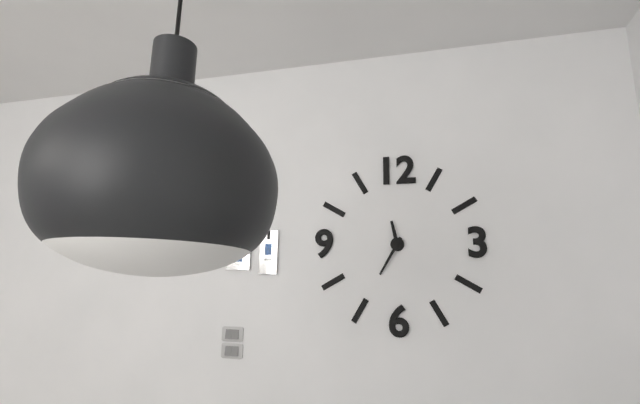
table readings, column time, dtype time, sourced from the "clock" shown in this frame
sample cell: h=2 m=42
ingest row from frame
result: h=11 m=35
